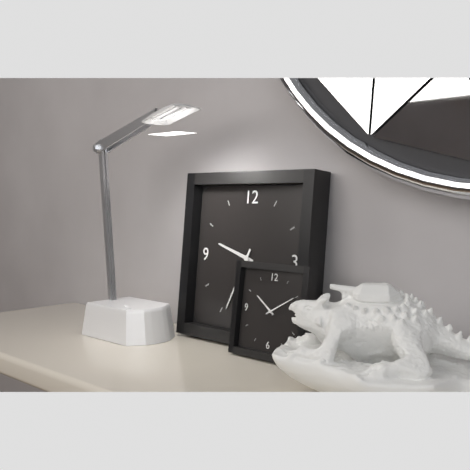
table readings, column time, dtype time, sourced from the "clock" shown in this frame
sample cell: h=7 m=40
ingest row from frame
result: h=9 m=34
